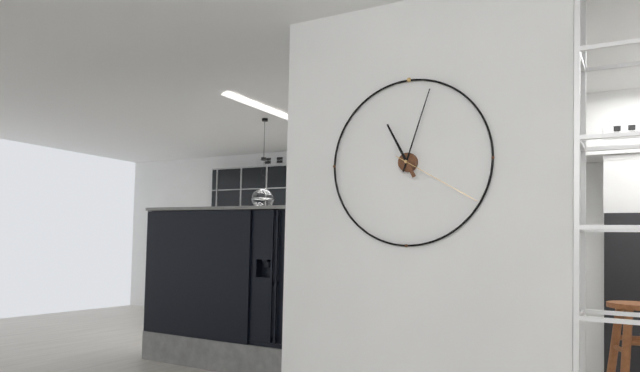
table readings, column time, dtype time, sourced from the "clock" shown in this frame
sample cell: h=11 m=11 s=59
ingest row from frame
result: h=11 m=3 s=20
